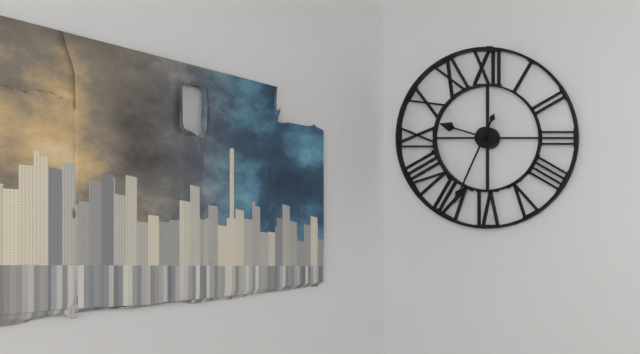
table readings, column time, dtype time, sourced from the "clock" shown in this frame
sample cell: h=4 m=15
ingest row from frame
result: h=9 m=34
